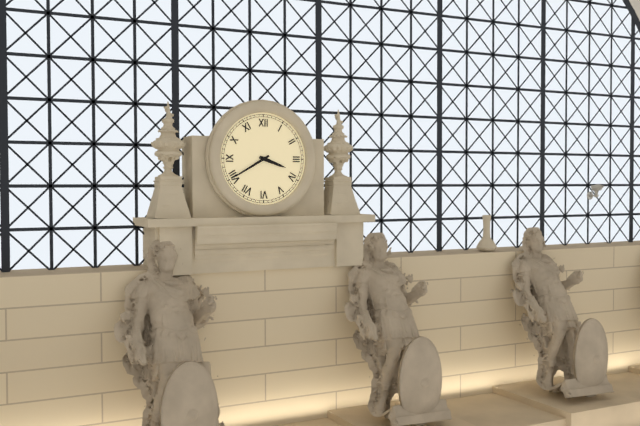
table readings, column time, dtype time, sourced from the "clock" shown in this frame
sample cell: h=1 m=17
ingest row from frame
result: h=3 m=40
